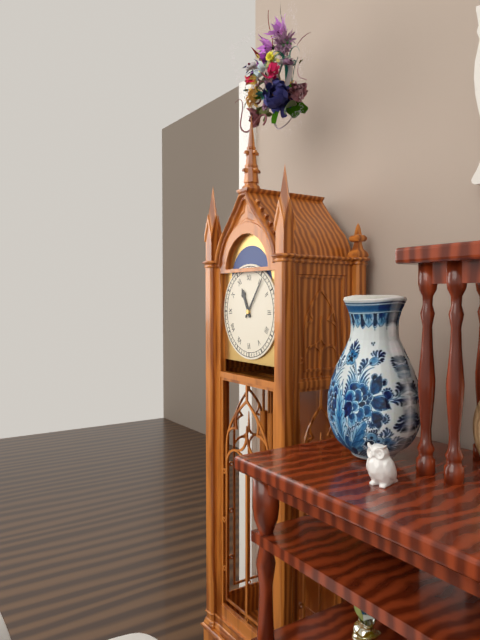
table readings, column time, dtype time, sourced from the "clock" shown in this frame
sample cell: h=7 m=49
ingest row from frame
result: h=11 m=6
